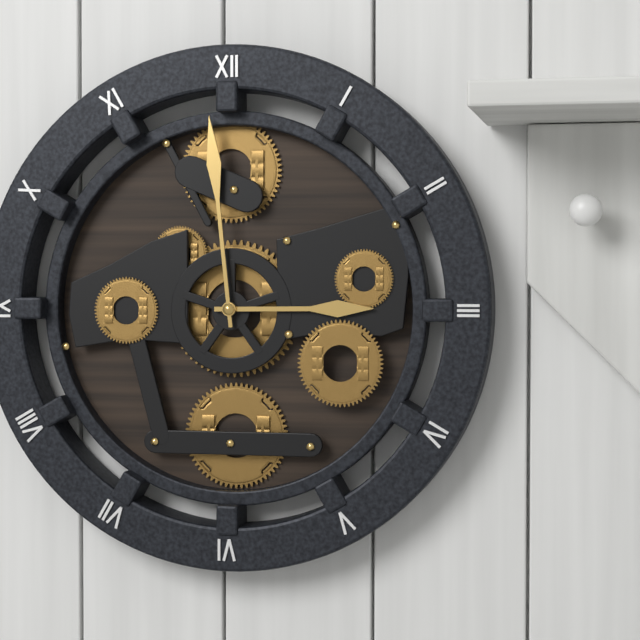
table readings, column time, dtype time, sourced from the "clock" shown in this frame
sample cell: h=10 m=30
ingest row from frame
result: h=2 m=59
